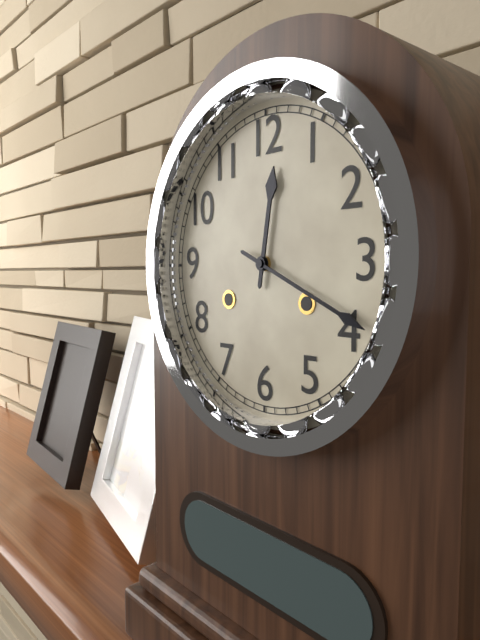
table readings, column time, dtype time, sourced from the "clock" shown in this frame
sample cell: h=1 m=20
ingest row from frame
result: h=12 m=19
